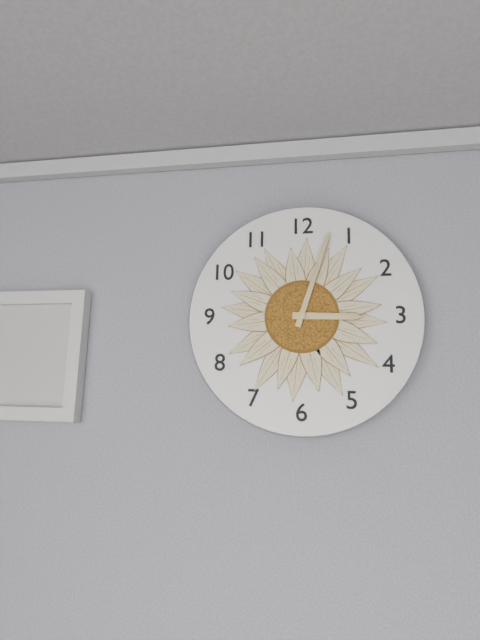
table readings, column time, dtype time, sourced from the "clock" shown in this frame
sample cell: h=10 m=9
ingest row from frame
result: h=3 m=3
